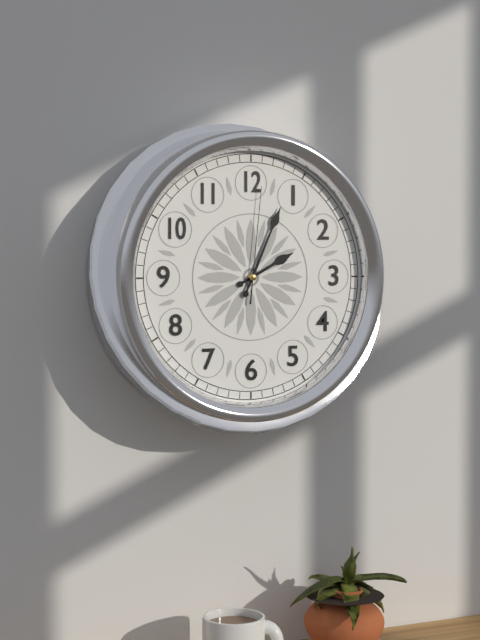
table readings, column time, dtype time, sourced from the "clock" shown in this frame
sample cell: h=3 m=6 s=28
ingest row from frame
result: h=2 m=4 s=1
